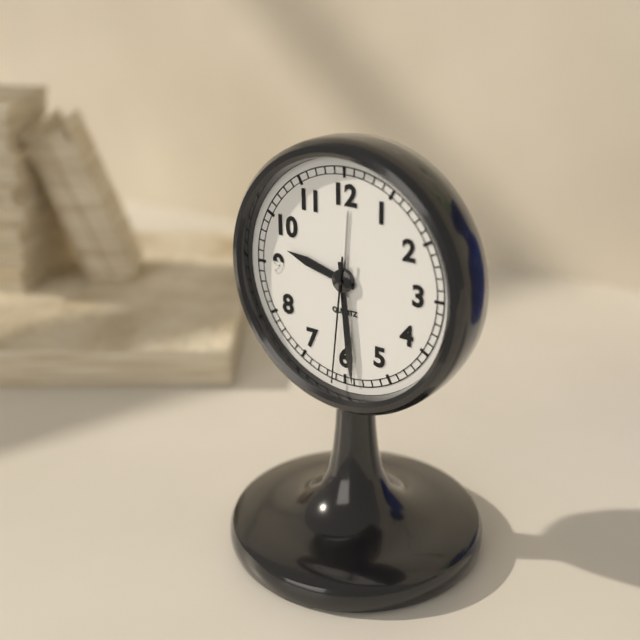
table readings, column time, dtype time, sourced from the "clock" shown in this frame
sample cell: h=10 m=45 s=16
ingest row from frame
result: h=9 m=29 s=31
